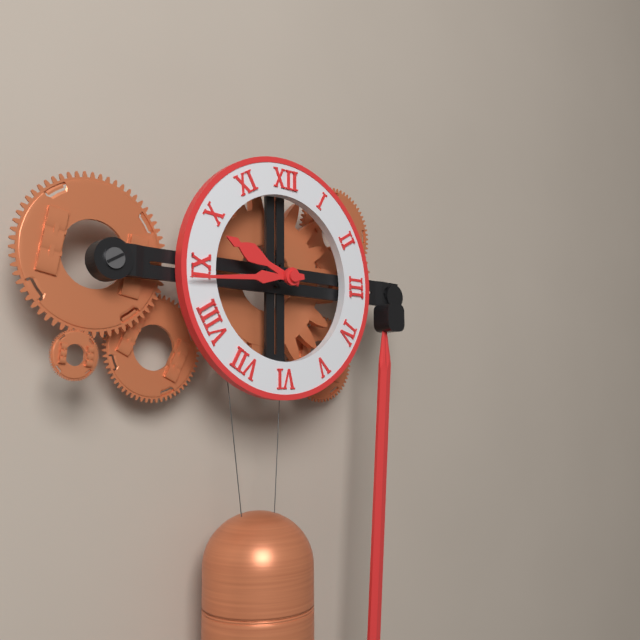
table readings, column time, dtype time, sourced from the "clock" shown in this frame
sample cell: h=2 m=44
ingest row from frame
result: h=9 m=44
